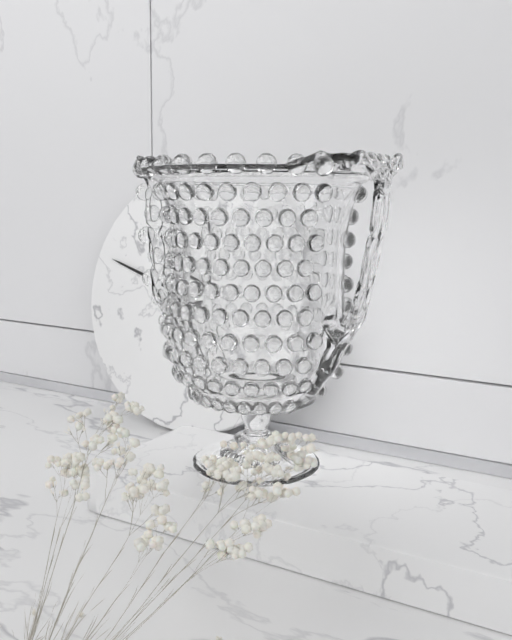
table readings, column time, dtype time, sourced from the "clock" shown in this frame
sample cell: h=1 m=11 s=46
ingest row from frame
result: h=11 m=48 s=26
